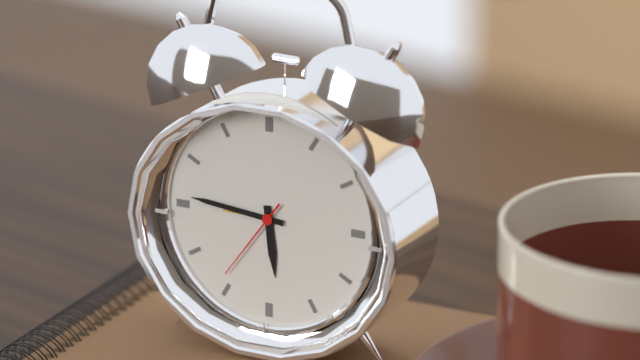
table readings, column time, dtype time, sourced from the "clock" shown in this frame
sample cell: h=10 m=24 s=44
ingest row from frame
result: h=5 m=46 s=36
